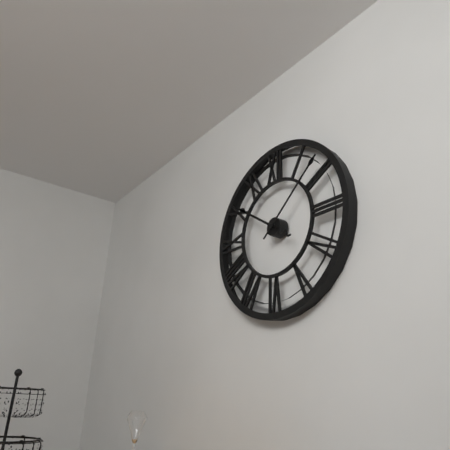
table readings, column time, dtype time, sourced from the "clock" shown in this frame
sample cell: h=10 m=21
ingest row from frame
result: h=10 m=8
